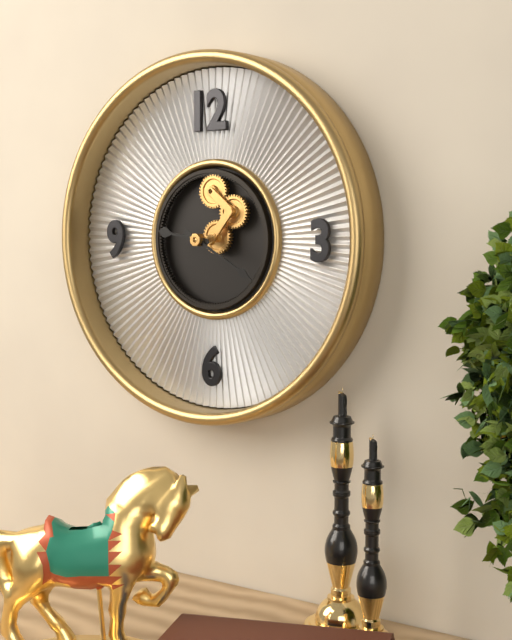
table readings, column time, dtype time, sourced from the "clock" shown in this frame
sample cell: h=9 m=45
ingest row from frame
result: h=9 m=20
